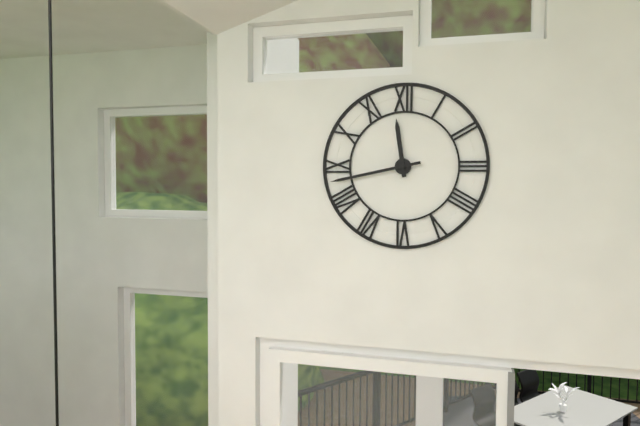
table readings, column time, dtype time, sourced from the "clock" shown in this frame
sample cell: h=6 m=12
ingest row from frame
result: h=11 m=43
